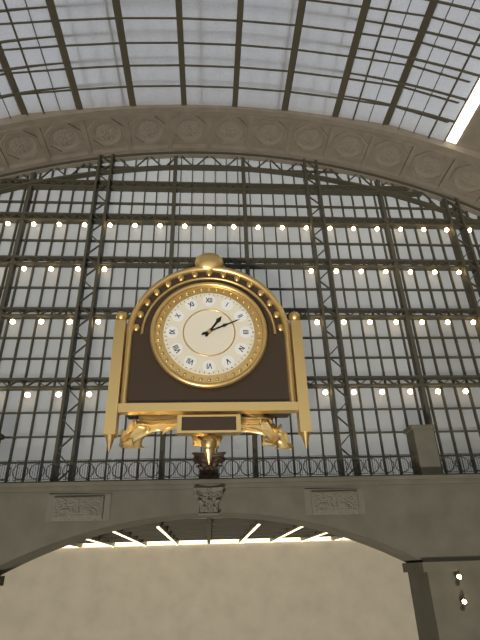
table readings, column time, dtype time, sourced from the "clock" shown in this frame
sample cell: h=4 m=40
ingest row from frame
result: h=1 m=11
